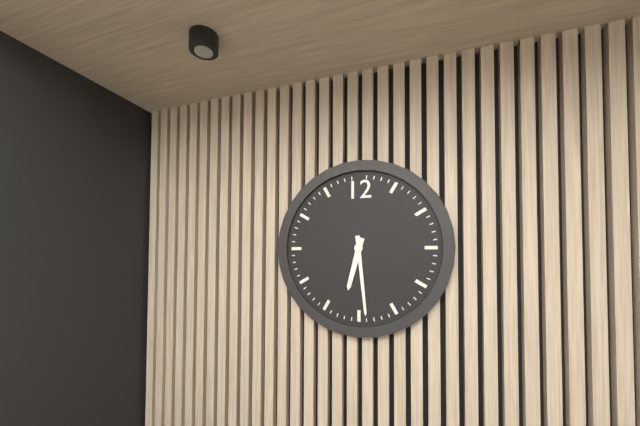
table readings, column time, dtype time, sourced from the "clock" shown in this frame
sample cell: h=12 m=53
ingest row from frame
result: h=6 m=29
